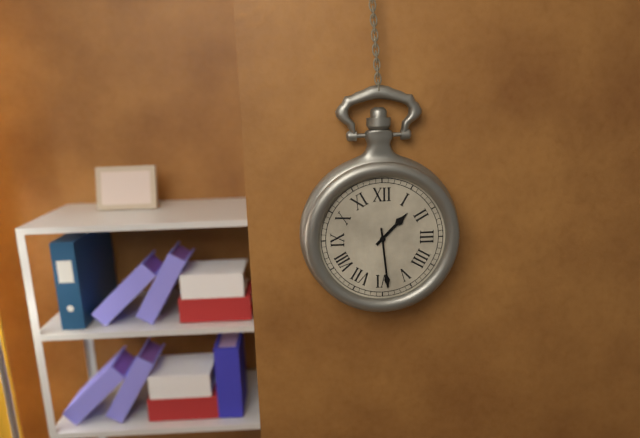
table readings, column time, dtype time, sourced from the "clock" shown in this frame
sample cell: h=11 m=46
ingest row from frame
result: h=1 m=29
